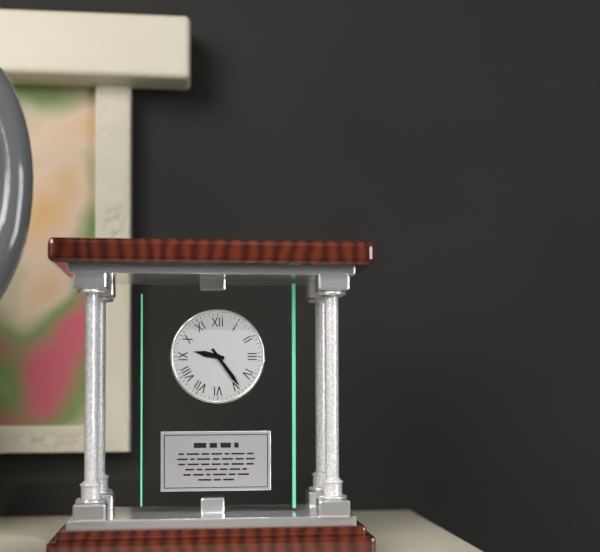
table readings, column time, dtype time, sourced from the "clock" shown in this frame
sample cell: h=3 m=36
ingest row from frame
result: h=9 m=24
